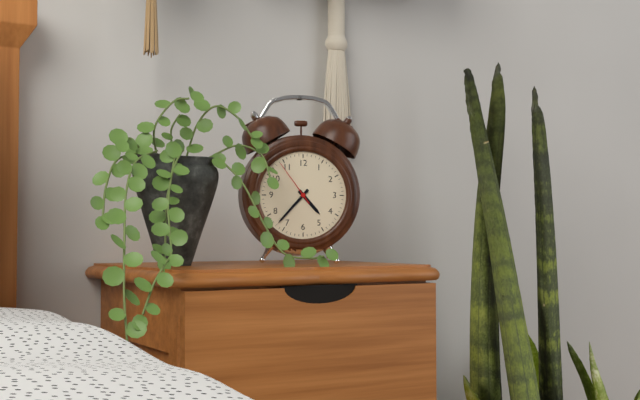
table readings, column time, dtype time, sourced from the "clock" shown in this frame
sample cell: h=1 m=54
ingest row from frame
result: h=4 m=37
